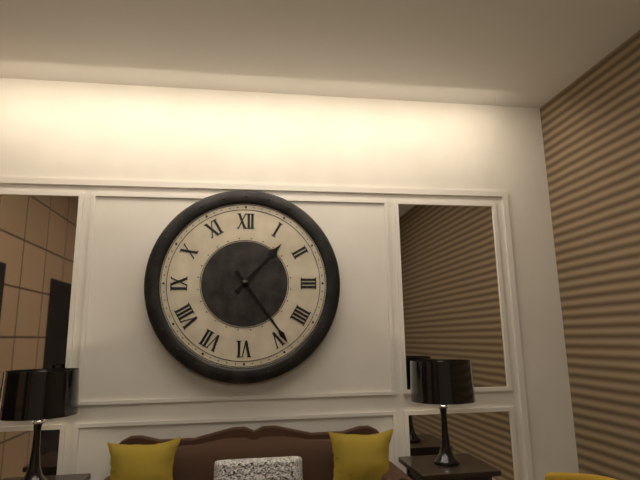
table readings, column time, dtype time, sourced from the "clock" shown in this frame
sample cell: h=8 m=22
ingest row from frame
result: h=1 m=24
